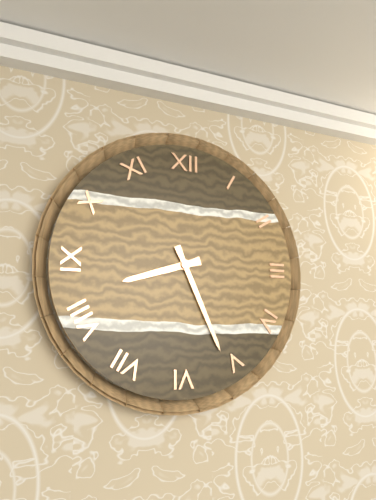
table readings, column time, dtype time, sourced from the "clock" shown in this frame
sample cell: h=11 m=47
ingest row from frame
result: h=8 m=26
